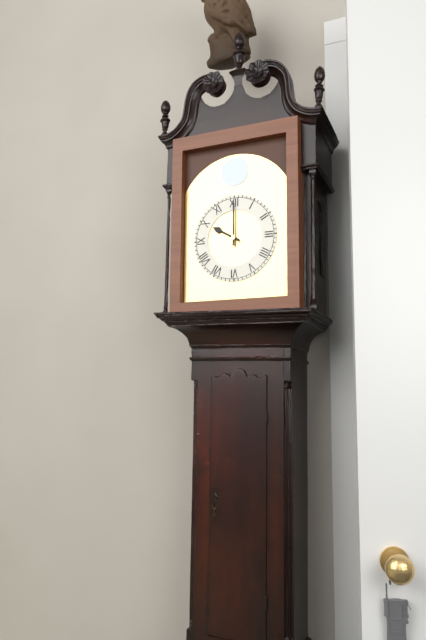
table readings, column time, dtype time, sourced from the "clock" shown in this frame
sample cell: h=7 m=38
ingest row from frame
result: h=10 m=0
